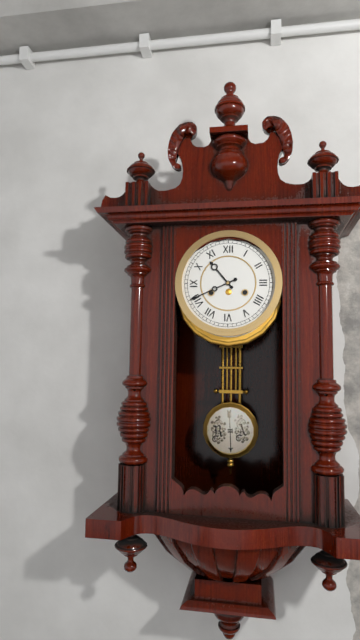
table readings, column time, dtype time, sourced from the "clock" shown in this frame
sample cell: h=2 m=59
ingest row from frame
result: h=10 m=41
